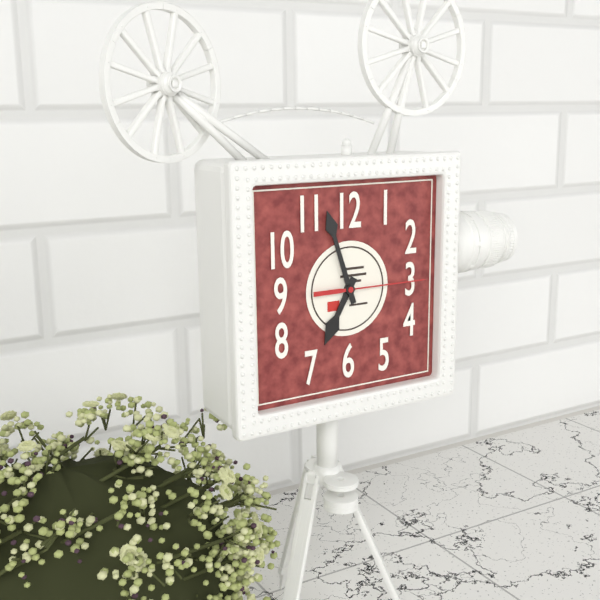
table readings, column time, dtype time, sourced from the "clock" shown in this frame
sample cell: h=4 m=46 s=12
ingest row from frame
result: h=6 m=57 s=15
